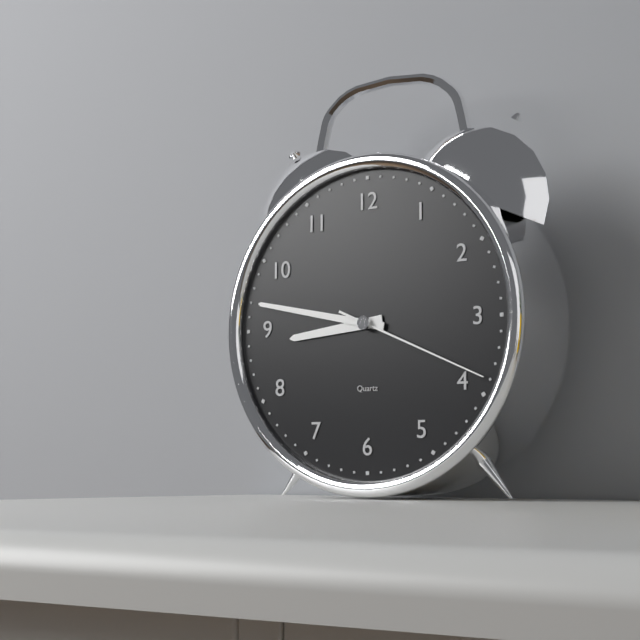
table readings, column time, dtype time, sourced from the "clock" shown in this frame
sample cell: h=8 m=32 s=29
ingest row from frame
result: h=8 m=47 s=19
